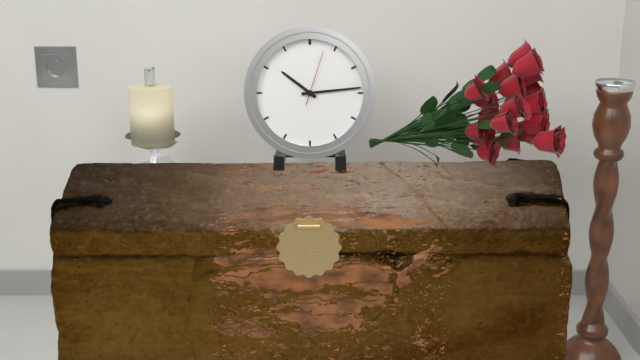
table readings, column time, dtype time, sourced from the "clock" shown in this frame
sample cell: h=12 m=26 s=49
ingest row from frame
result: h=10 m=14 s=3
